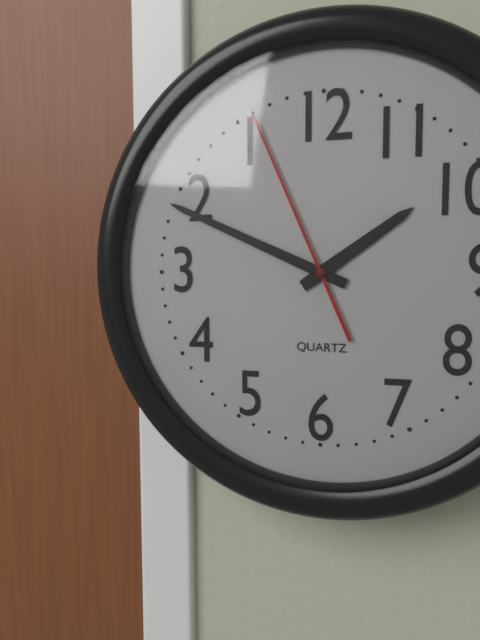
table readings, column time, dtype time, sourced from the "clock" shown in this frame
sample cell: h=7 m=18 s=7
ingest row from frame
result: h=1 m=49 s=56
